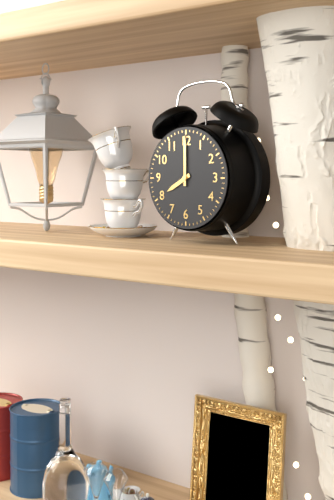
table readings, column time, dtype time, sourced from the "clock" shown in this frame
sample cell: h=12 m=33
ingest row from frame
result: h=8 m=0
